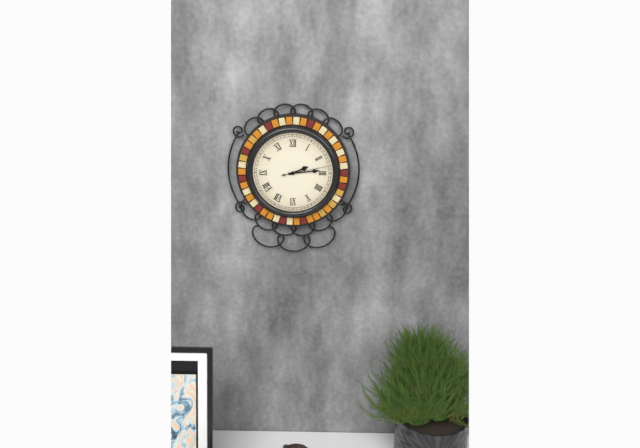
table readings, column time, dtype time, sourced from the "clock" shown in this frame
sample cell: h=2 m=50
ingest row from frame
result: h=2 m=14
